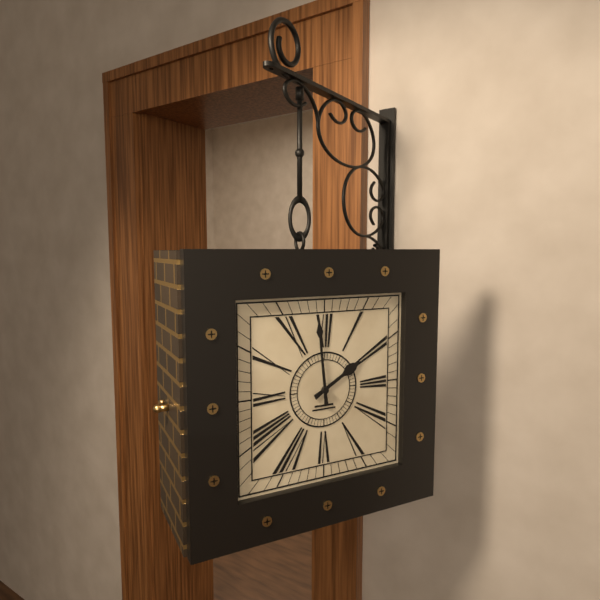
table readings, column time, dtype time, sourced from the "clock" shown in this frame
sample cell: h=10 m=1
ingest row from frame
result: h=1 m=59
